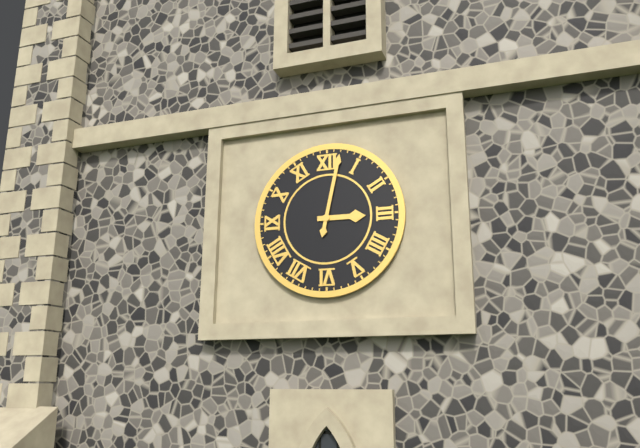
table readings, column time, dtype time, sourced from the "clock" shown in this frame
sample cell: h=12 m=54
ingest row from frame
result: h=3 m=2
